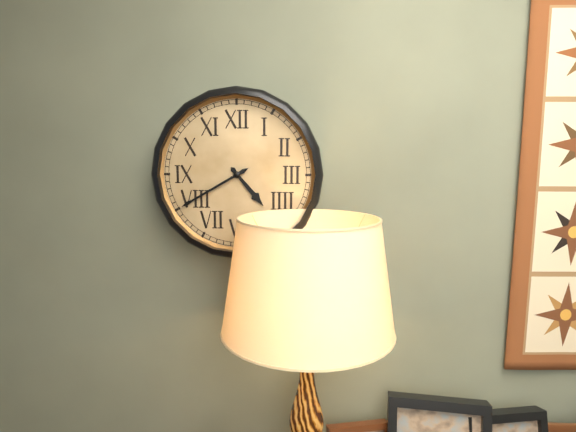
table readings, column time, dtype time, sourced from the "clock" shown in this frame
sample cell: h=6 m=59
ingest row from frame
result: h=4 m=40
